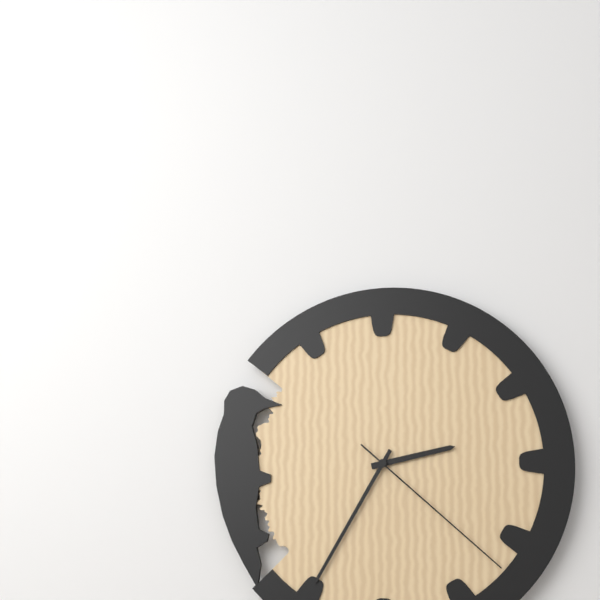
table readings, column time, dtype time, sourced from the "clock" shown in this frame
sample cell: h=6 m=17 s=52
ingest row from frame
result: h=2 m=35 s=22
